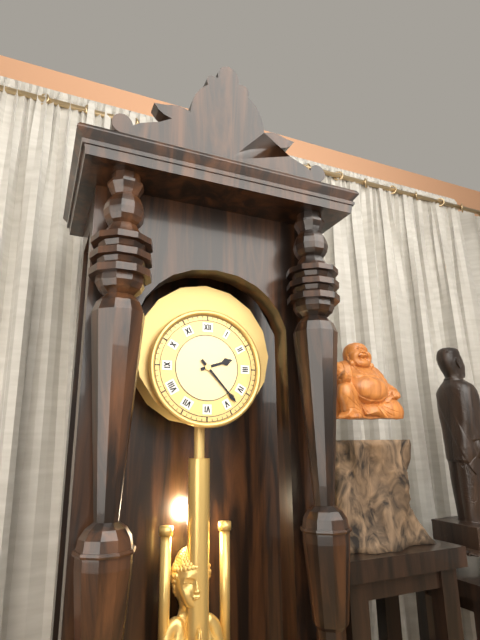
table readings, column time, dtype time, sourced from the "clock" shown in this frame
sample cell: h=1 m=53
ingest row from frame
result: h=2 m=23
